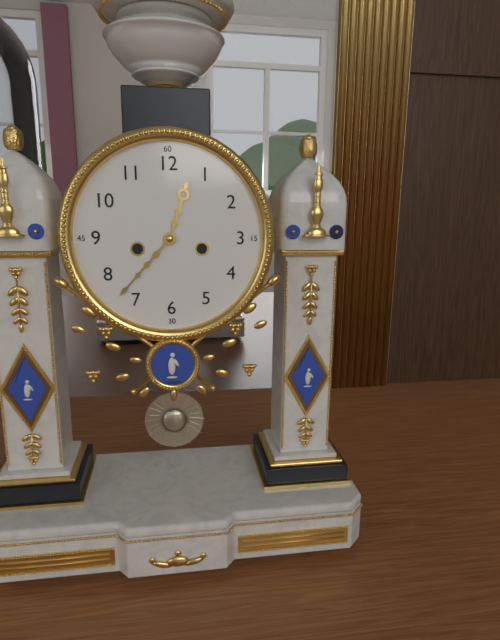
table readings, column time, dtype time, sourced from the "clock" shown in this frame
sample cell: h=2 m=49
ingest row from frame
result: h=12 m=37
